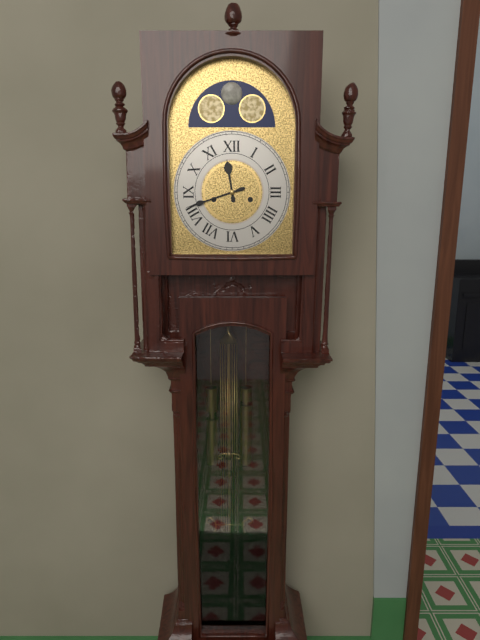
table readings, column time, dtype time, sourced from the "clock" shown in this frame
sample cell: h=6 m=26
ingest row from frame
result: h=11 m=42
